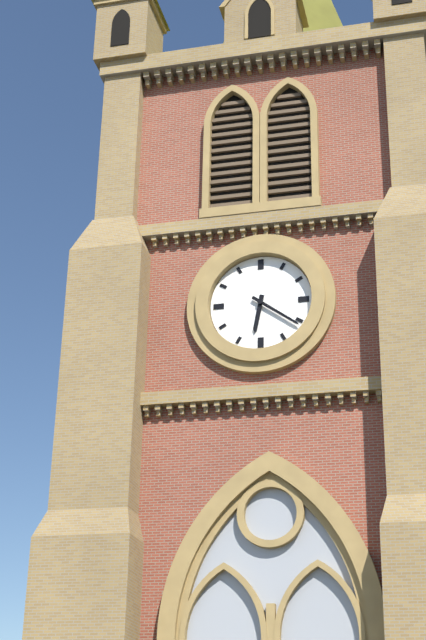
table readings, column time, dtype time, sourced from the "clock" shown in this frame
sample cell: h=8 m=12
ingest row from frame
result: h=6 m=21
